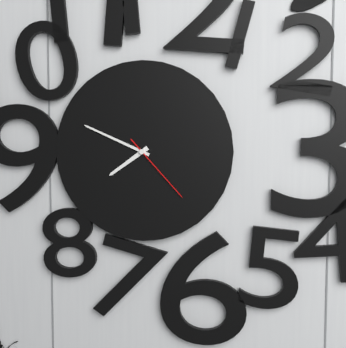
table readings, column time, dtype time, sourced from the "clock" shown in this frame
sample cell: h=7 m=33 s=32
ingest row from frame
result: h=7 m=49 s=23
